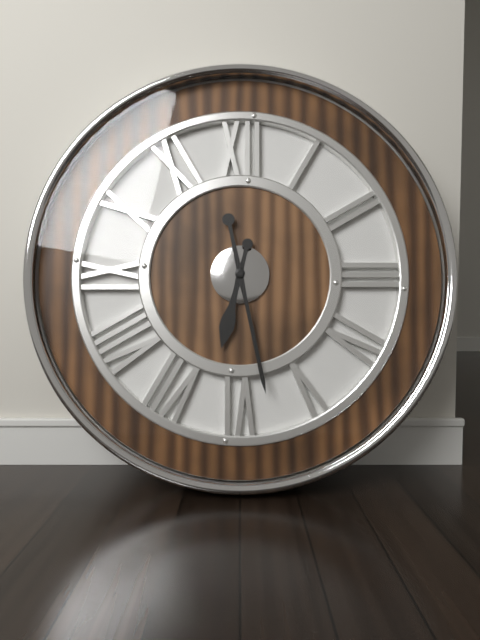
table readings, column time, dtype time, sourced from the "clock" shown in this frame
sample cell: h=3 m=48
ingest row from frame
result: h=6 m=28
